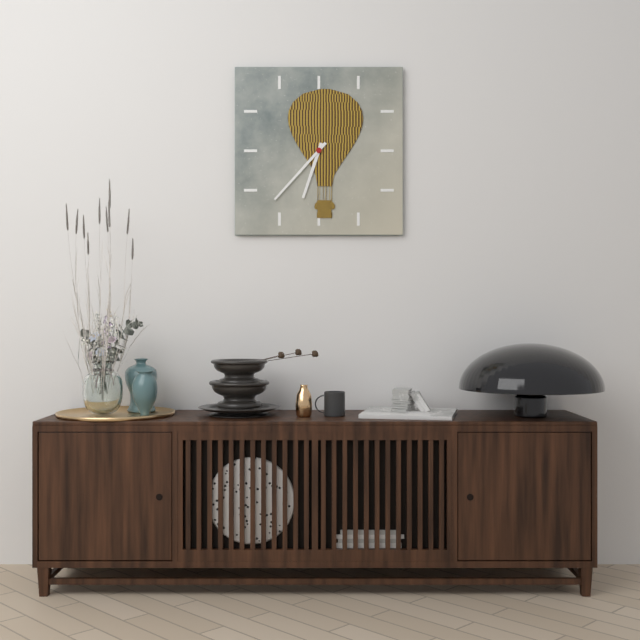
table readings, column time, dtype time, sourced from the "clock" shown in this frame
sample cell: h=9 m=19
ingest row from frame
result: h=6 m=37
